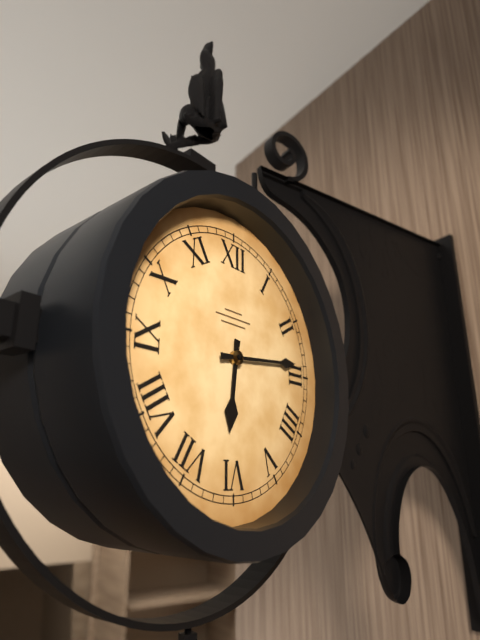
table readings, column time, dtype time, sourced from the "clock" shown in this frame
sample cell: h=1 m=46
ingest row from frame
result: h=6 m=14
